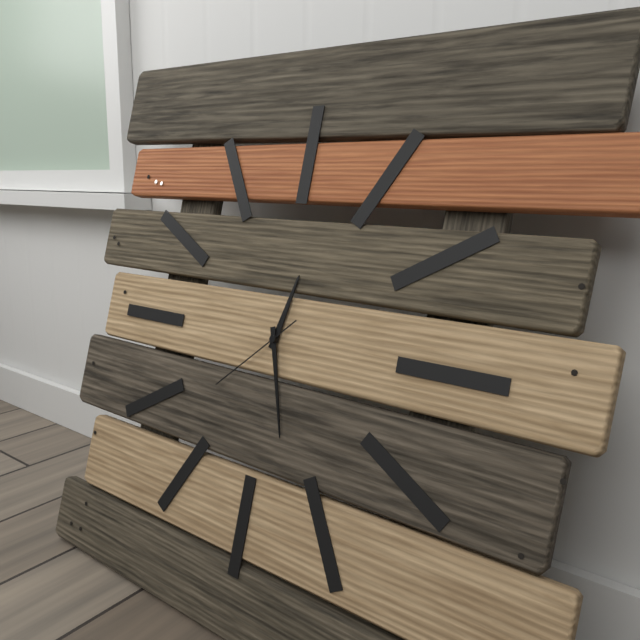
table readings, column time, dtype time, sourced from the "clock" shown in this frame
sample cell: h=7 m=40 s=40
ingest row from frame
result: h=12 m=27 s=38
